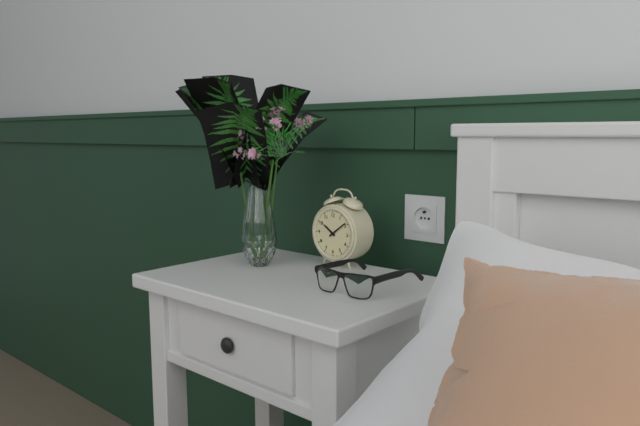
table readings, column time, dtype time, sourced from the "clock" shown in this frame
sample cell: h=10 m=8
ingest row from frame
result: h=10 m=9
